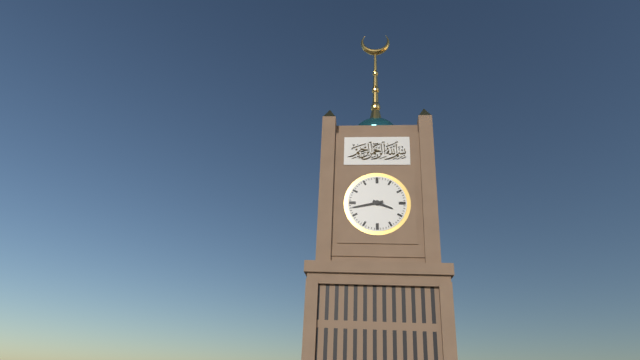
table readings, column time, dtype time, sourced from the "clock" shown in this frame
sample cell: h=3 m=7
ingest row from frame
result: h=3 m=43
